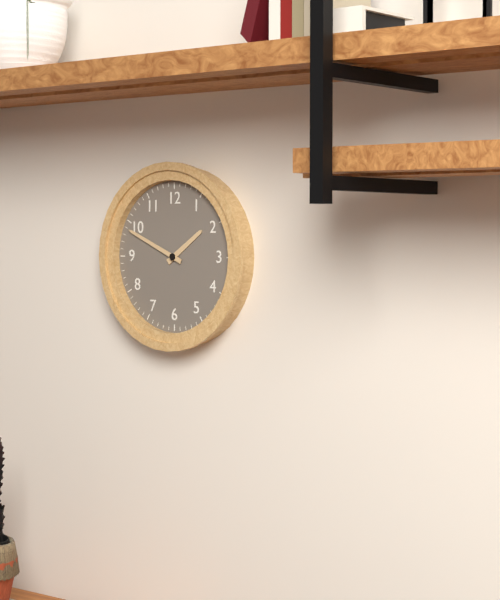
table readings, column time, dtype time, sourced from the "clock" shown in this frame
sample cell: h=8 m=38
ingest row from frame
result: h=1 m=49
